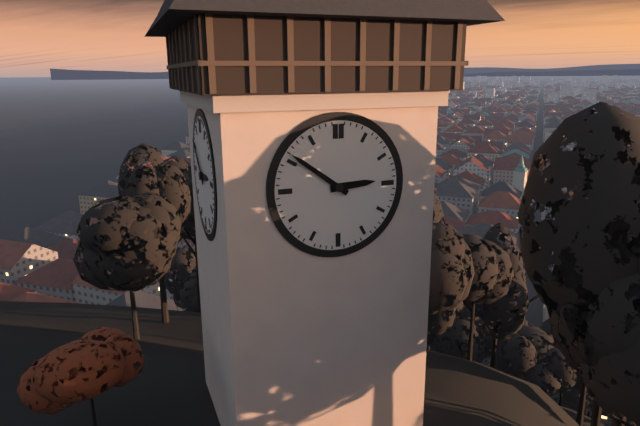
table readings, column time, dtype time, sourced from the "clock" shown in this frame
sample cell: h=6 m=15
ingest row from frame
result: h=2 m=51
